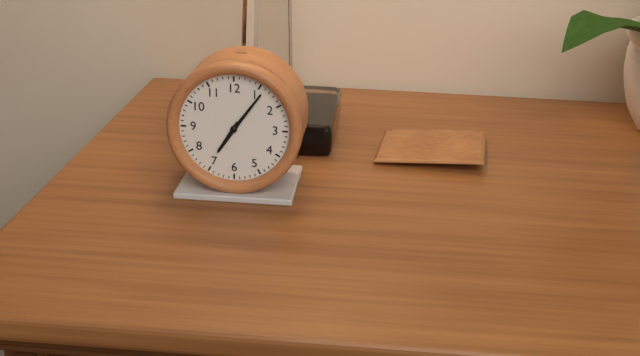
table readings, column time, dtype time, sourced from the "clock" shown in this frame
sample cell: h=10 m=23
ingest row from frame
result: h=7 m=6
